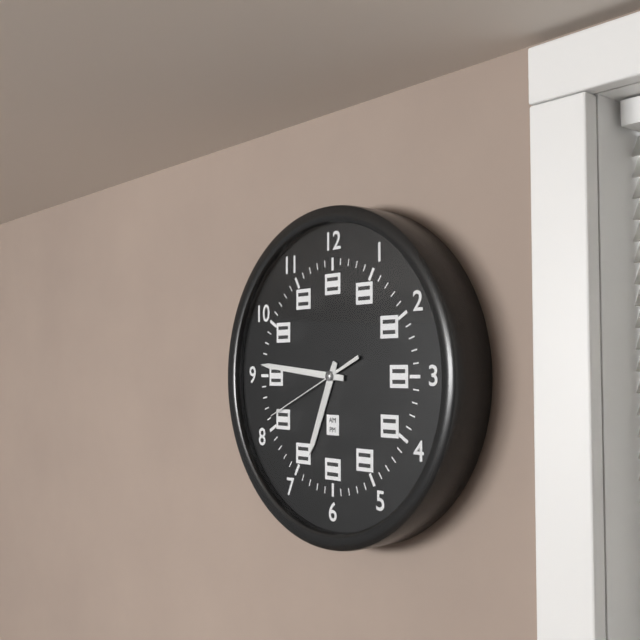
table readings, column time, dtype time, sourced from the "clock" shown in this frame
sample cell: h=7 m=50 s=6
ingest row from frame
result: h=6 m=46 s=41
